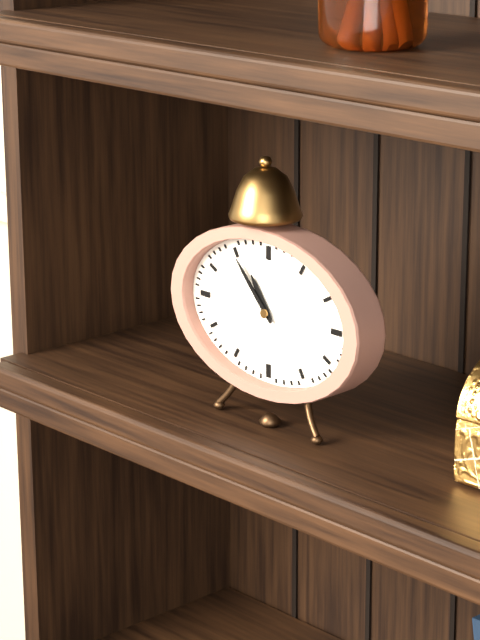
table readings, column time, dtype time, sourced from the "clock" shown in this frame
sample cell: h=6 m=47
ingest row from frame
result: h=10 m=53
